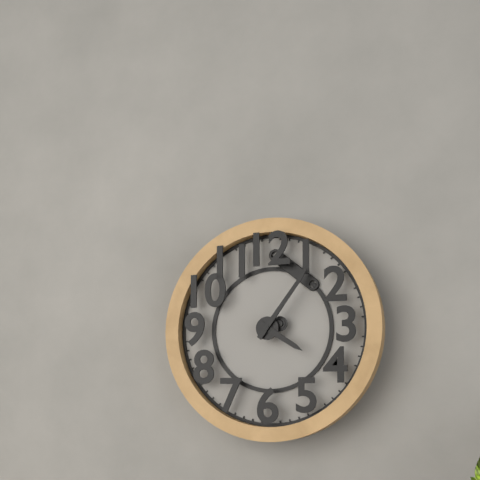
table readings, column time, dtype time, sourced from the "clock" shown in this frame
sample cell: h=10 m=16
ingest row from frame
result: h=4 m=6
